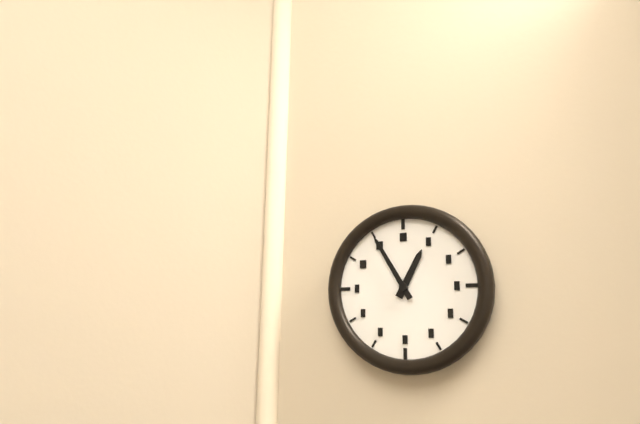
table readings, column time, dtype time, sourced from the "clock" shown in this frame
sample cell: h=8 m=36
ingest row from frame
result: h=12 m=55
